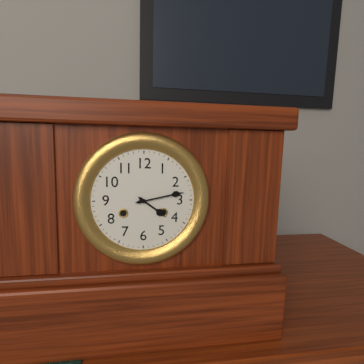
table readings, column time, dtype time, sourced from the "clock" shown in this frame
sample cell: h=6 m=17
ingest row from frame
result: h=4 m=13
